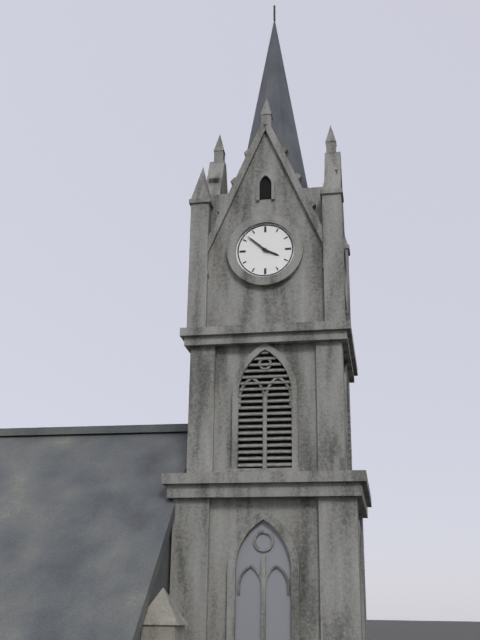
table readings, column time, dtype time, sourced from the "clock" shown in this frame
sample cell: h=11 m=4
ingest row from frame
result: h=3 m=52
